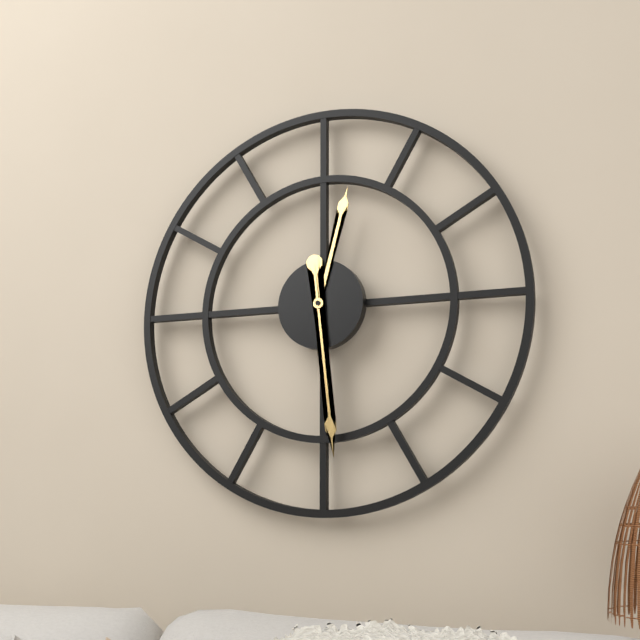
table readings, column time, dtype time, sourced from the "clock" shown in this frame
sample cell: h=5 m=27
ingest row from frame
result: h=12 m=29
